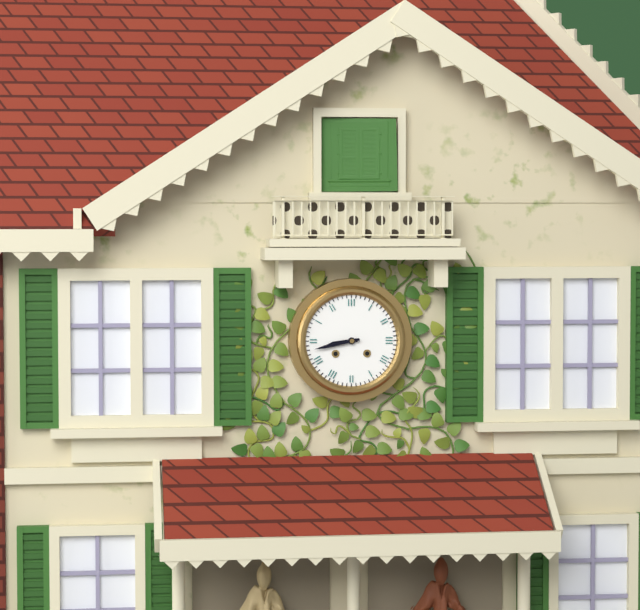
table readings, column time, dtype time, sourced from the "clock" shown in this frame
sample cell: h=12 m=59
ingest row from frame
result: h=8 m=43
